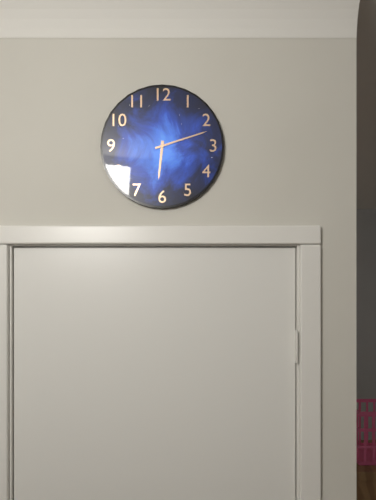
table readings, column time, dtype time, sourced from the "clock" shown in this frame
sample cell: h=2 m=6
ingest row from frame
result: h=6 m=12
